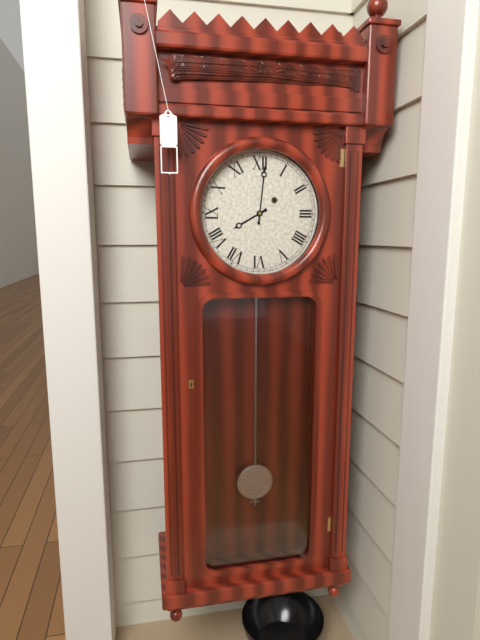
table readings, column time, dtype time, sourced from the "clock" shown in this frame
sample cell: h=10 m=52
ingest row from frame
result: h=8 m=1
